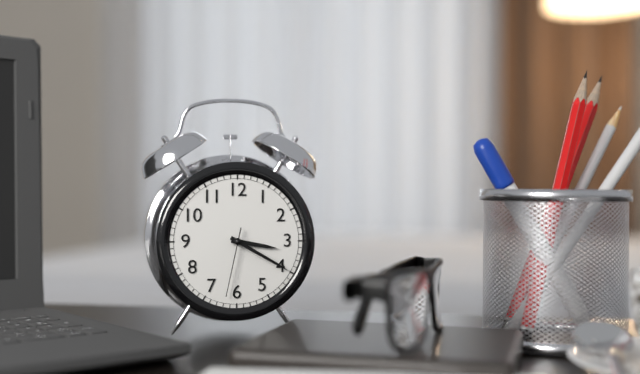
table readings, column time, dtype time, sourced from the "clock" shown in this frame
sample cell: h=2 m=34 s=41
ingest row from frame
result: h=3 m=20 s=32
